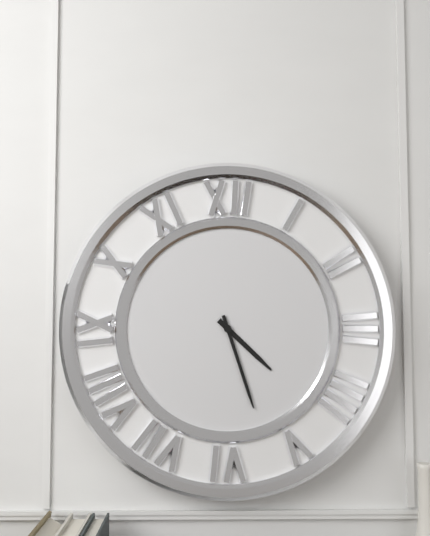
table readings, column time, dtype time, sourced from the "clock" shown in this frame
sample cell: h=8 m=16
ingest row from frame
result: h=4 m=27
